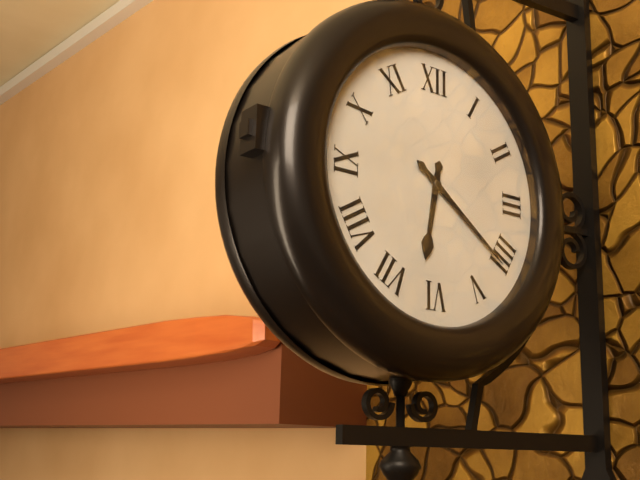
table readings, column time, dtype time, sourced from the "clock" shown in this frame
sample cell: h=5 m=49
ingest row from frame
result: h=6 m=21
